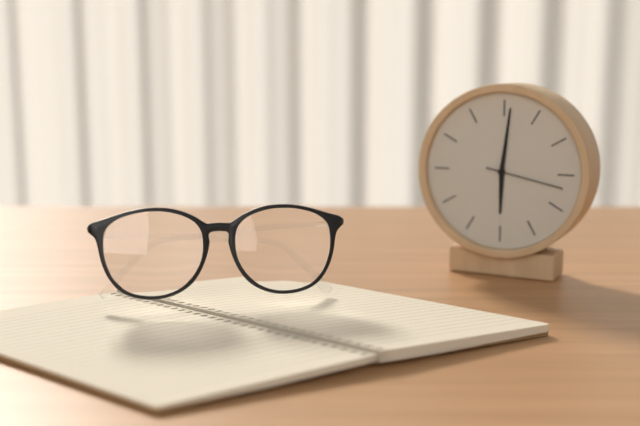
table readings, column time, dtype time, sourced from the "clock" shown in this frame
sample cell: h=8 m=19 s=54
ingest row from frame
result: h=6 m=1 s=17
